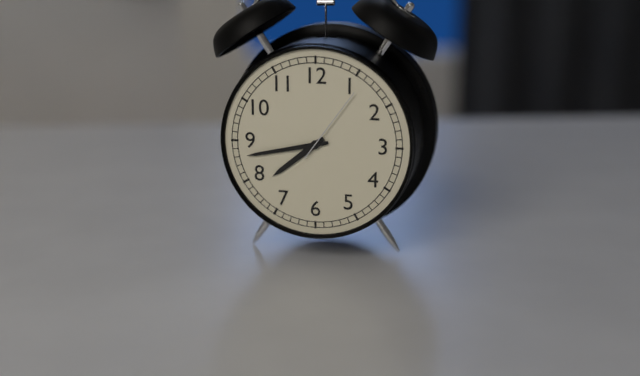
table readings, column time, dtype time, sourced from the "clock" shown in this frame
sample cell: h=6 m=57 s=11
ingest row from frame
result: h=7 m=43 s=6
